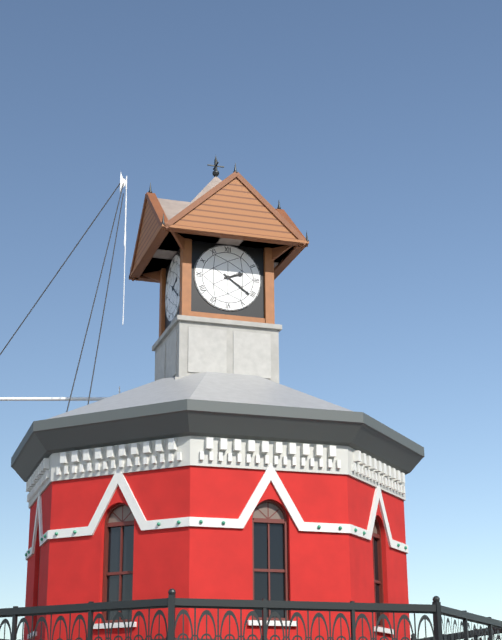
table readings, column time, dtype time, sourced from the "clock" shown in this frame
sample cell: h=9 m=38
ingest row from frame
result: h=2 m=21
